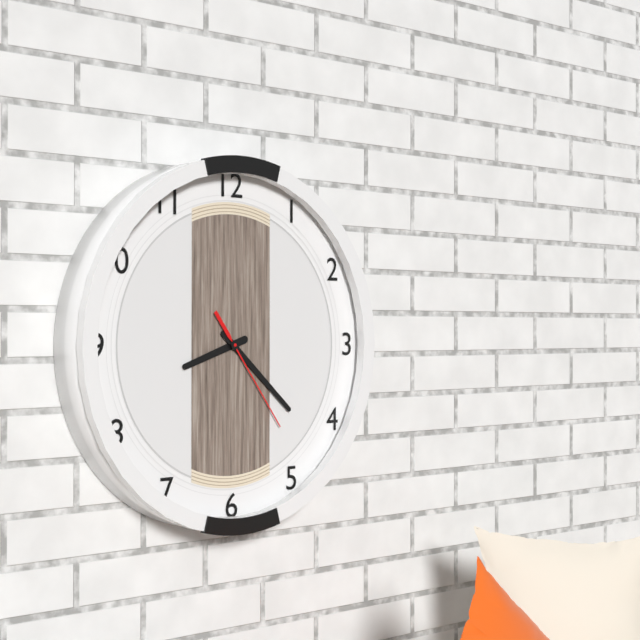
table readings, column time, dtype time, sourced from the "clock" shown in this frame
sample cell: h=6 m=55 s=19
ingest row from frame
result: h=8 m=22 s=24
